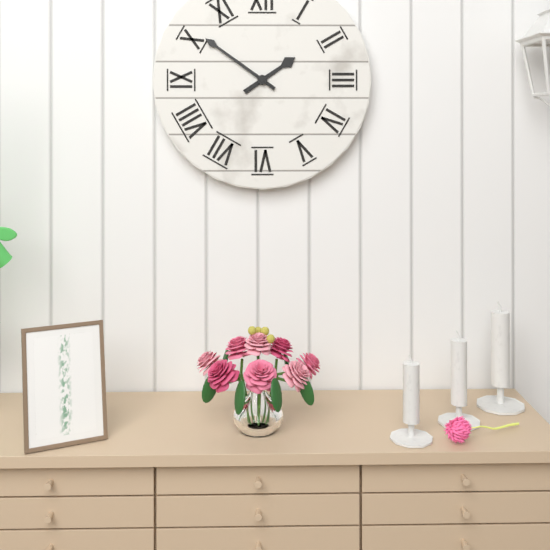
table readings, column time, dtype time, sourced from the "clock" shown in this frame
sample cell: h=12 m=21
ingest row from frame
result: h=1 m=51
